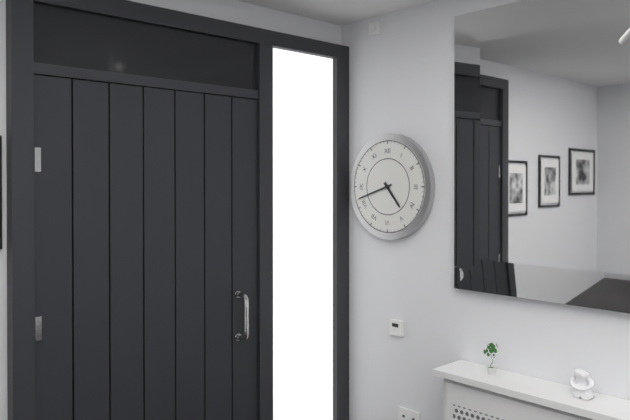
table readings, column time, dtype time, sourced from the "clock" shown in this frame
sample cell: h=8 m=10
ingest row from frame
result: h=4 m=42
